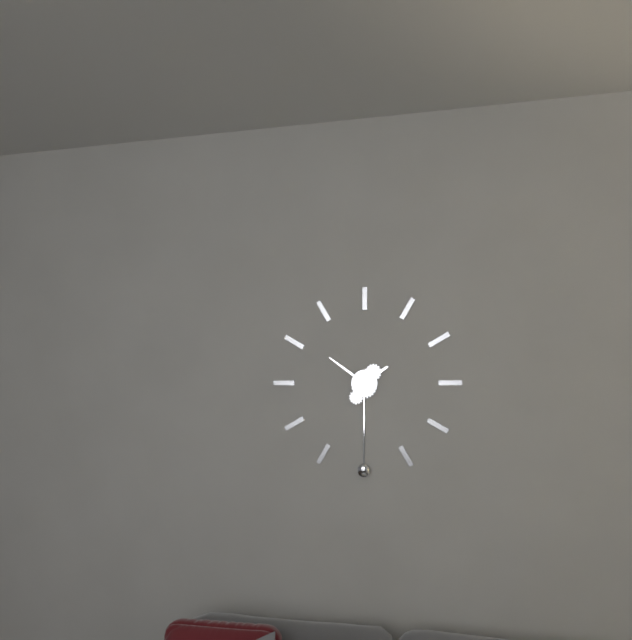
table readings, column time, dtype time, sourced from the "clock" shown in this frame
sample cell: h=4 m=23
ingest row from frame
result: h=1 m=51
